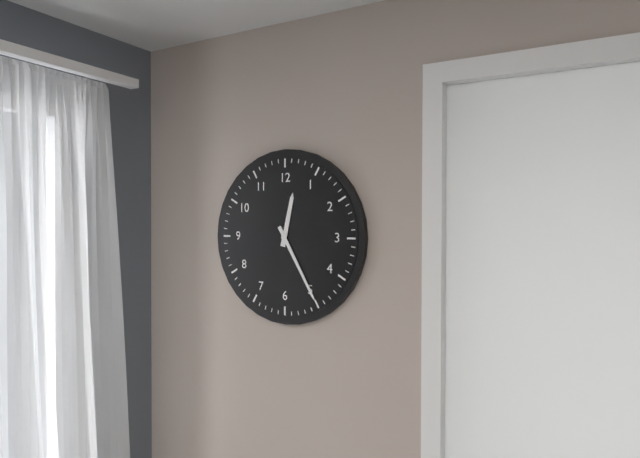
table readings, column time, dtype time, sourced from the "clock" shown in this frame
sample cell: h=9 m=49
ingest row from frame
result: h=12 m=25
